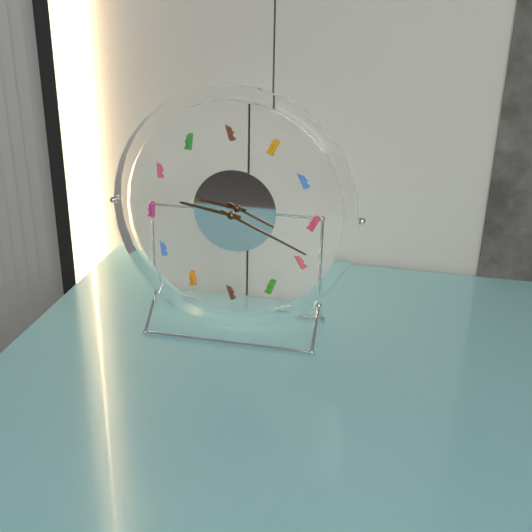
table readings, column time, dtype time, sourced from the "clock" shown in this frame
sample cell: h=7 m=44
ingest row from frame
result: h=9 m=19
